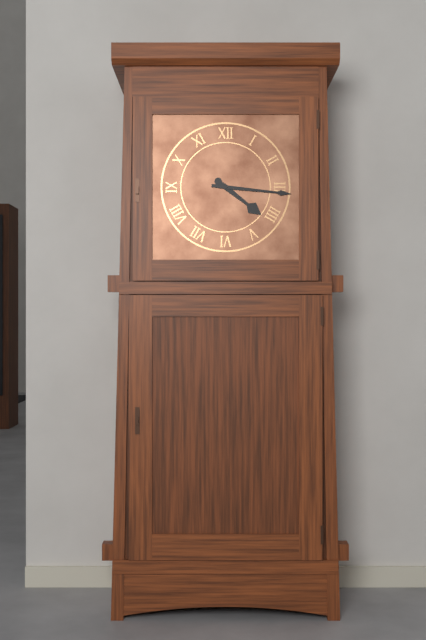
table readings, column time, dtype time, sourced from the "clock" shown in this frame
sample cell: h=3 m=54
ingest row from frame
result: h=4 m=16
